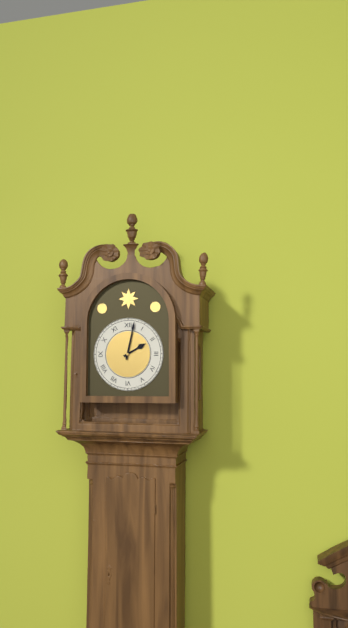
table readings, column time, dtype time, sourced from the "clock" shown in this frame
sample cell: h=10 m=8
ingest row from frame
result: h=2 m=2
